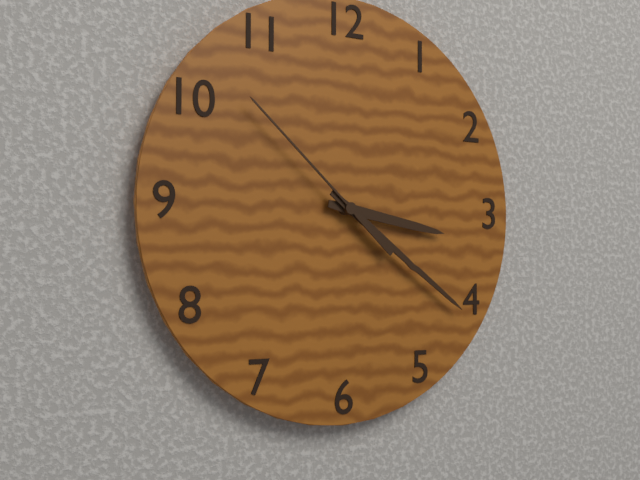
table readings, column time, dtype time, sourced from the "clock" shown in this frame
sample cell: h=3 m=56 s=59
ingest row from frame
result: h=3 m=21 s=52
